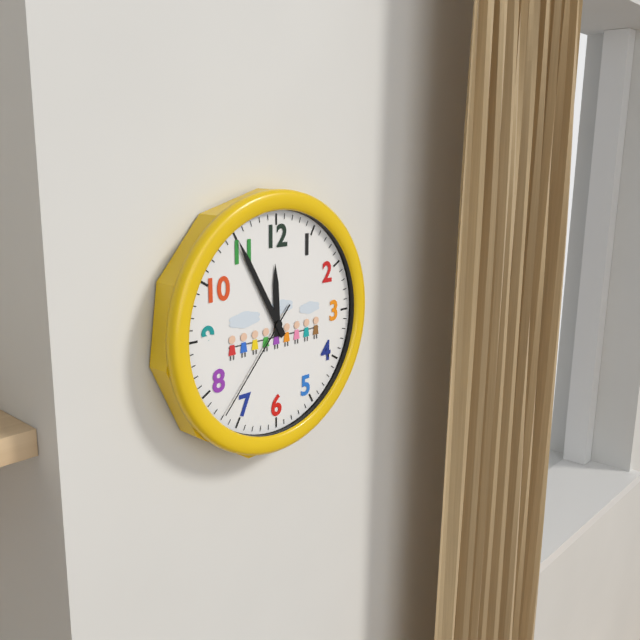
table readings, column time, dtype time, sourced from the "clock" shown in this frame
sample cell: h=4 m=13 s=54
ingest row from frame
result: h=11 m=55 s=37
